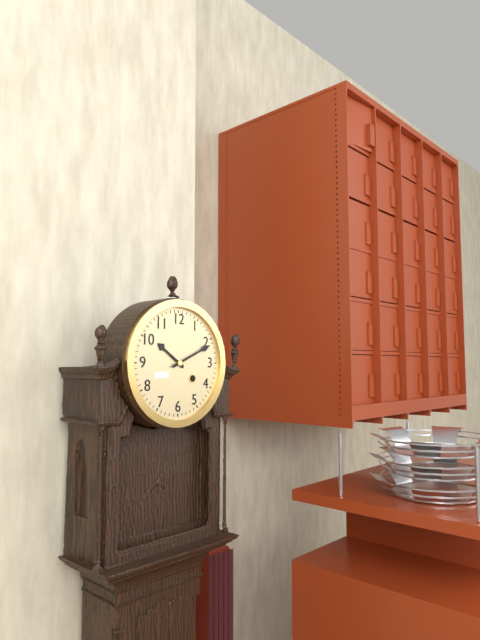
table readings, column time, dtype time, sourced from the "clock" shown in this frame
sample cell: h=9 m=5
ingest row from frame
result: h=10 m=11
